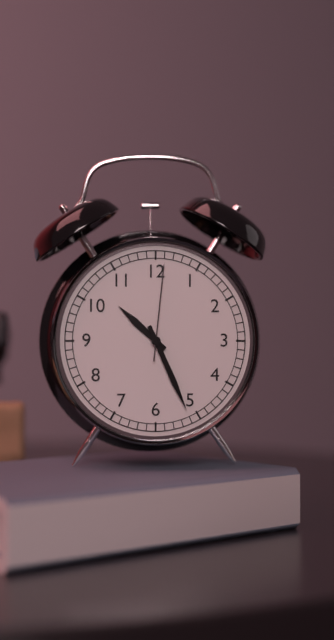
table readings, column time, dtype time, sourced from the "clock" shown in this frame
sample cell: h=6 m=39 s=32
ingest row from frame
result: h=10 m=26 s=1
